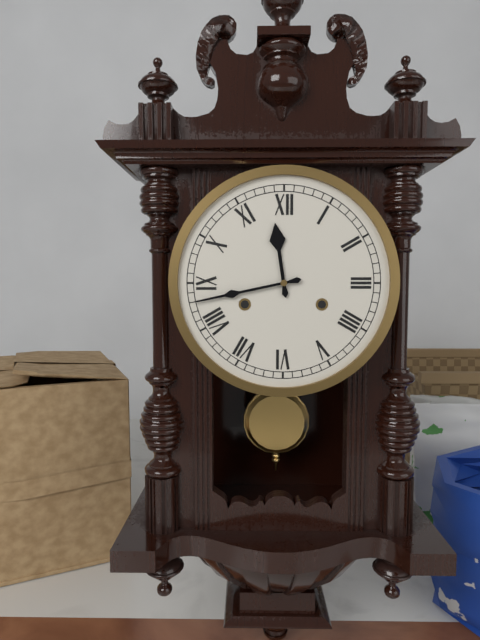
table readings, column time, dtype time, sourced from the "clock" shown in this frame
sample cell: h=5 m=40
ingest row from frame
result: h=11 m=43
